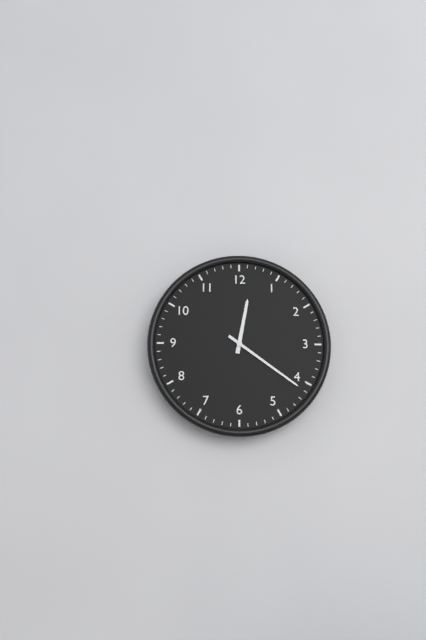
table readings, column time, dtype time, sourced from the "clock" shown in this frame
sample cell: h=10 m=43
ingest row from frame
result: h=12 m=21
